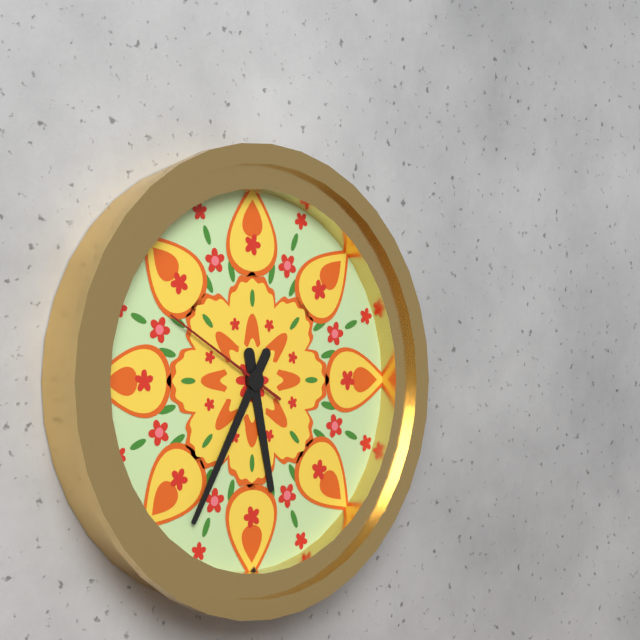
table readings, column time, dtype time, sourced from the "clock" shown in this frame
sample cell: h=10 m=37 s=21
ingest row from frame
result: h=5 m=35 s=50
